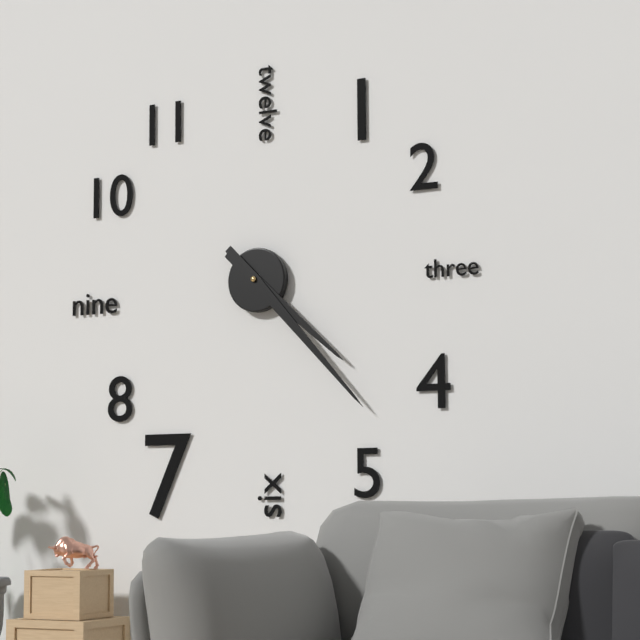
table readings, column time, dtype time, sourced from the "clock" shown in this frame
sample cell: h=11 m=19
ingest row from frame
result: h=4 m=23
